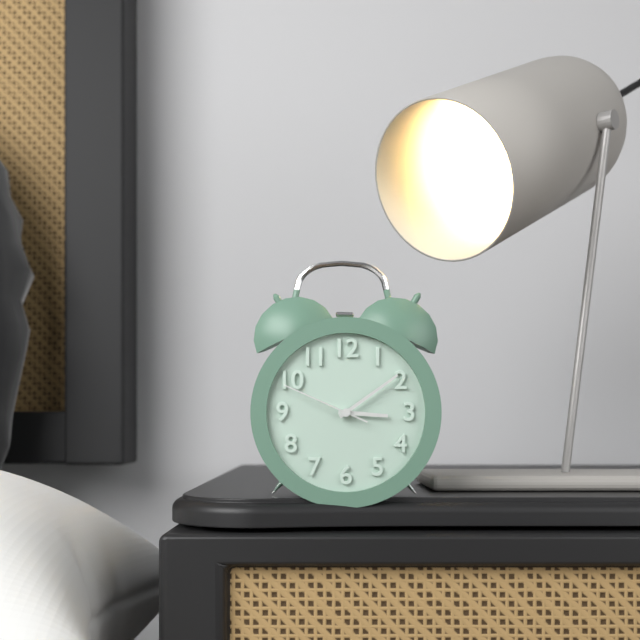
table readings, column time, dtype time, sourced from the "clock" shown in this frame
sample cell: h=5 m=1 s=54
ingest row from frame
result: h=3 m=9 s=49
